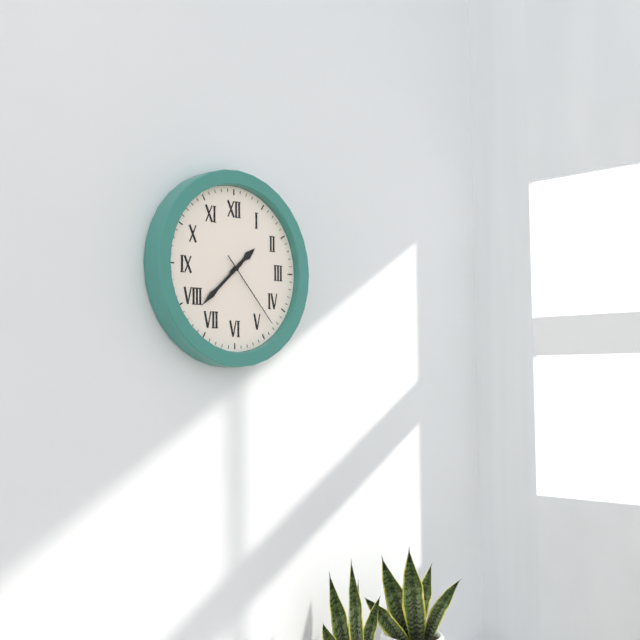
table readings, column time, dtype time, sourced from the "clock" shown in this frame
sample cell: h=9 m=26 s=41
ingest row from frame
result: h=1 m=38 s=23
